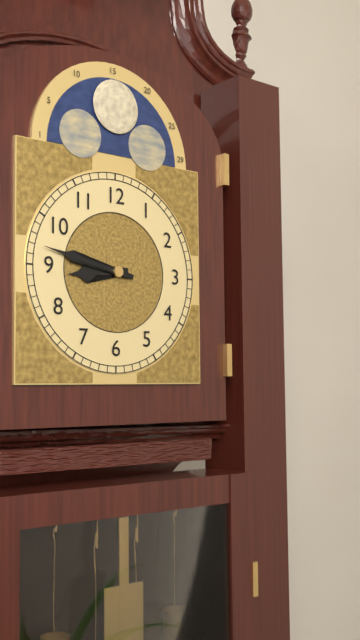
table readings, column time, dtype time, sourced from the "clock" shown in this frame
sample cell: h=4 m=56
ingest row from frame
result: h=8 m=47
